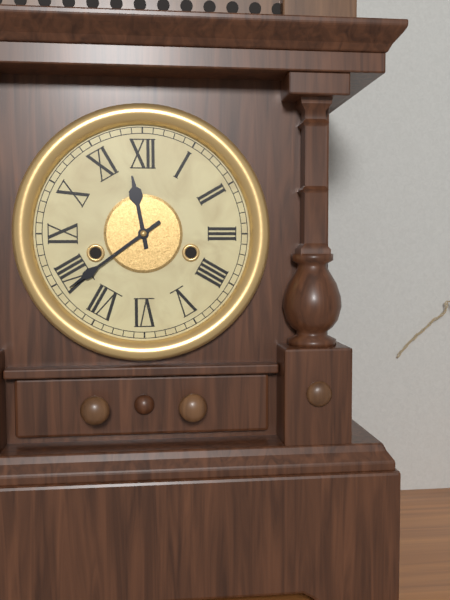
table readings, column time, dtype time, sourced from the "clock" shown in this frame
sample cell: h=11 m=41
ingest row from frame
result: h=11 m=39
